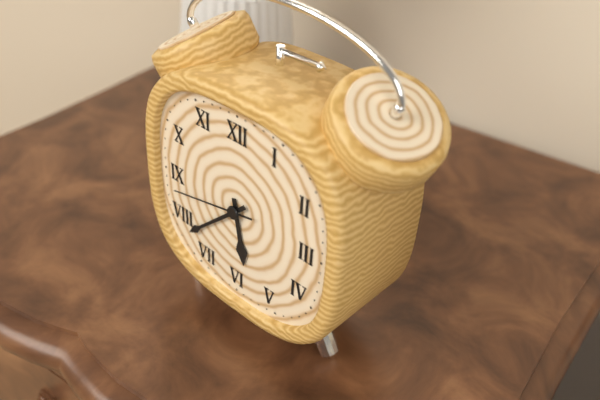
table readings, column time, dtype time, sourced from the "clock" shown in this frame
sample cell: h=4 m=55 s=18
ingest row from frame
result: h=5 m=38 s=43
